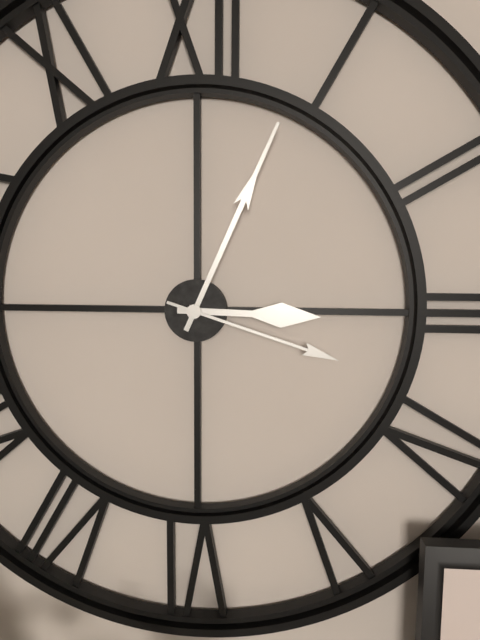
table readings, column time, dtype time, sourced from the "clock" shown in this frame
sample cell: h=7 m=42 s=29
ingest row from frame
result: h=3 m=4 s=18
